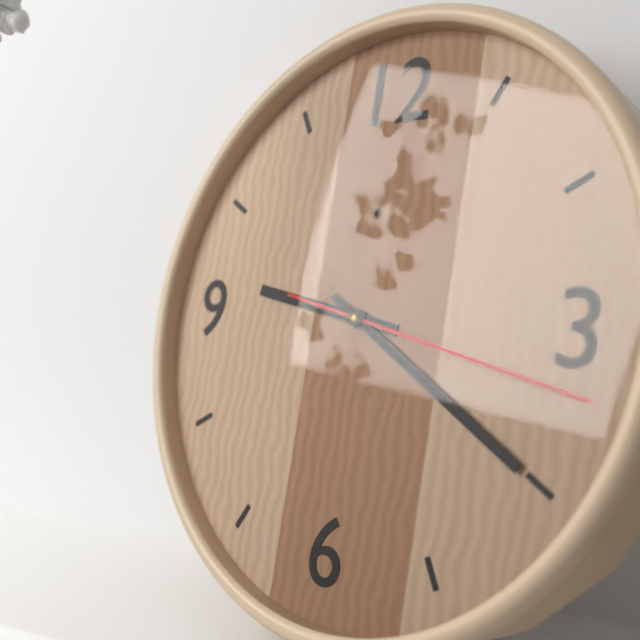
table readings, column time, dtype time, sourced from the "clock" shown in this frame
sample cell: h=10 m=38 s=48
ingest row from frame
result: h=9 m=20 s=17
